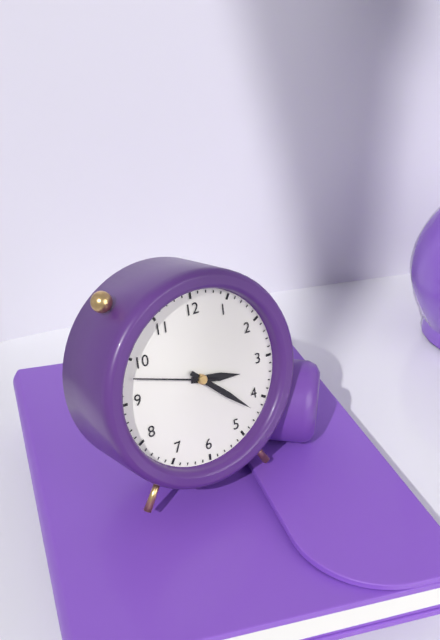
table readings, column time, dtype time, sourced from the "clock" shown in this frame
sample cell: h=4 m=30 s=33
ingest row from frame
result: h=3 m=22 s=48
